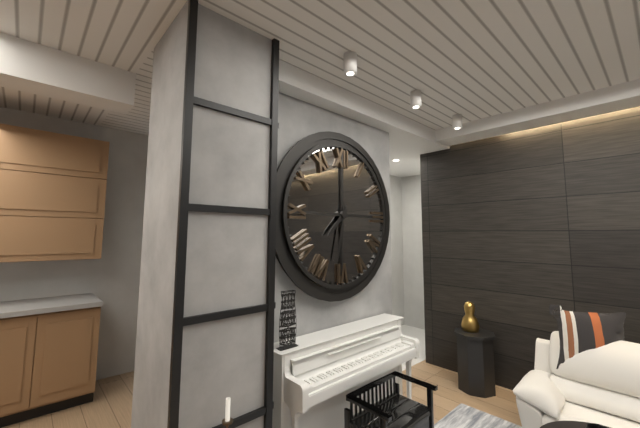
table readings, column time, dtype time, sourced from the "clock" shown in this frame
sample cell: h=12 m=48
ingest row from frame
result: h=7 m=32
